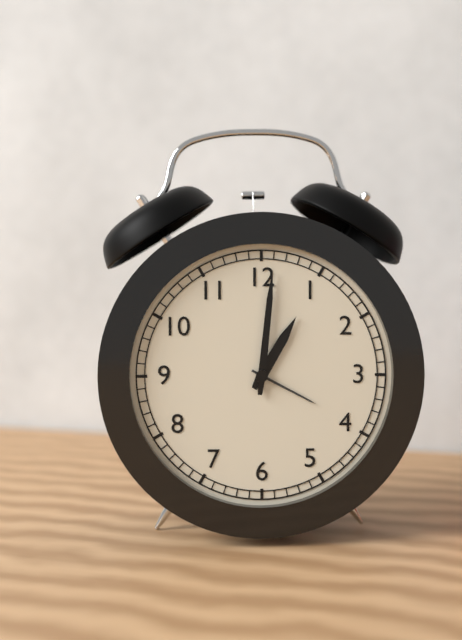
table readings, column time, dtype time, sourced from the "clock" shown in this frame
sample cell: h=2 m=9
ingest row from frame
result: h=1 m=1
